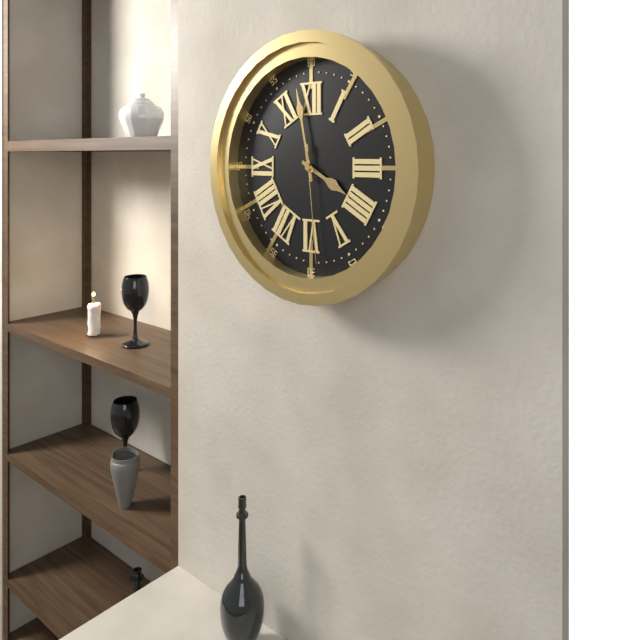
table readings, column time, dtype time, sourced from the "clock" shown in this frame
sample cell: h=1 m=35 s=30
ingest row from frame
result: h=3 m=58 s=29
